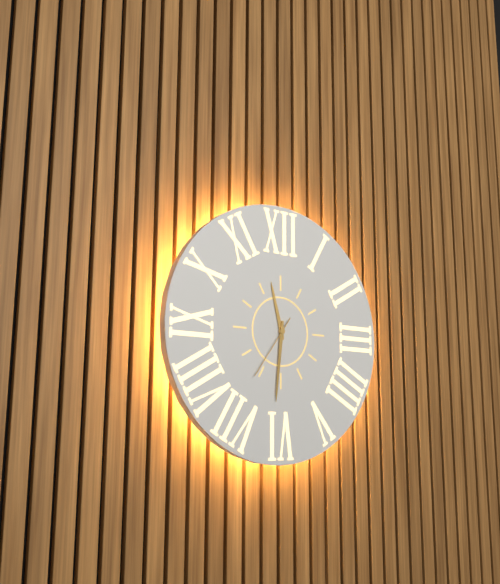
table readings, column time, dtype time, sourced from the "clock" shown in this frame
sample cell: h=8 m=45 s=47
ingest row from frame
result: h=11 m=31 s=36
